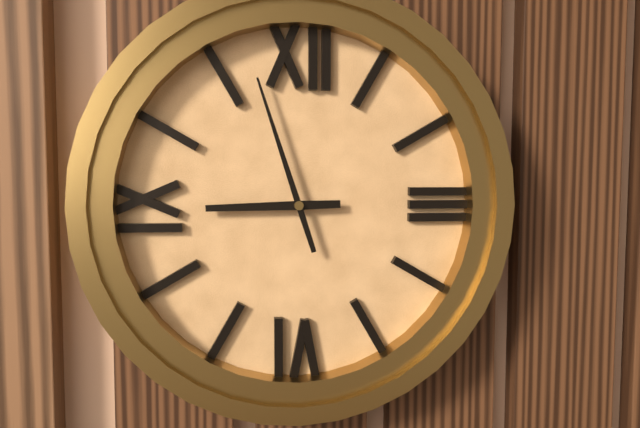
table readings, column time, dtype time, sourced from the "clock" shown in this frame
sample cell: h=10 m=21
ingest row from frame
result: h=8 m=57
